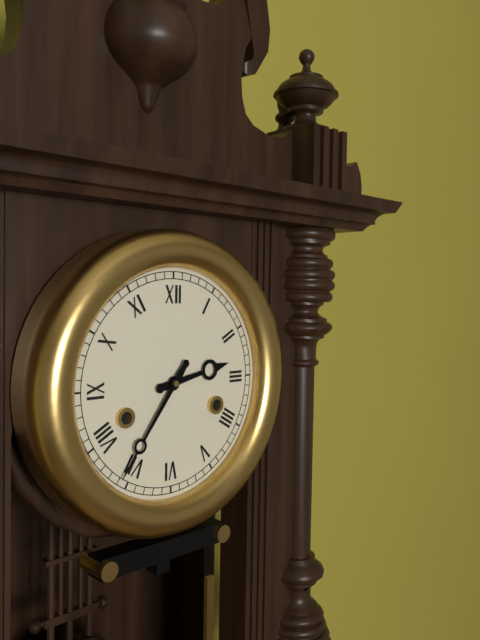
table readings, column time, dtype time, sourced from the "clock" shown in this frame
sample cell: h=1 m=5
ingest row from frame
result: h=2 m=36
